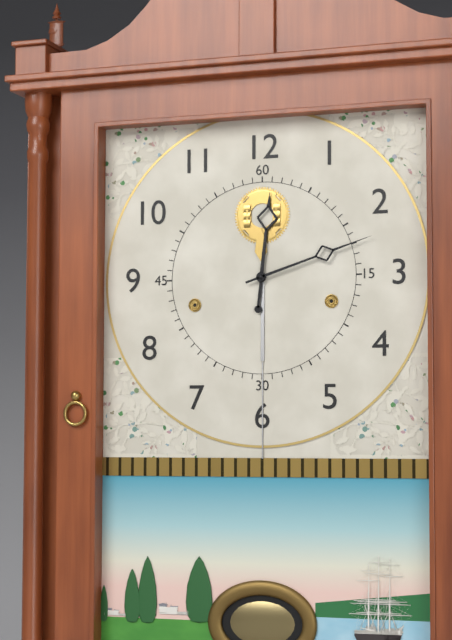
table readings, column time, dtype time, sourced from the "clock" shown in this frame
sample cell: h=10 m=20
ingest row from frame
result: h=12 m=12
